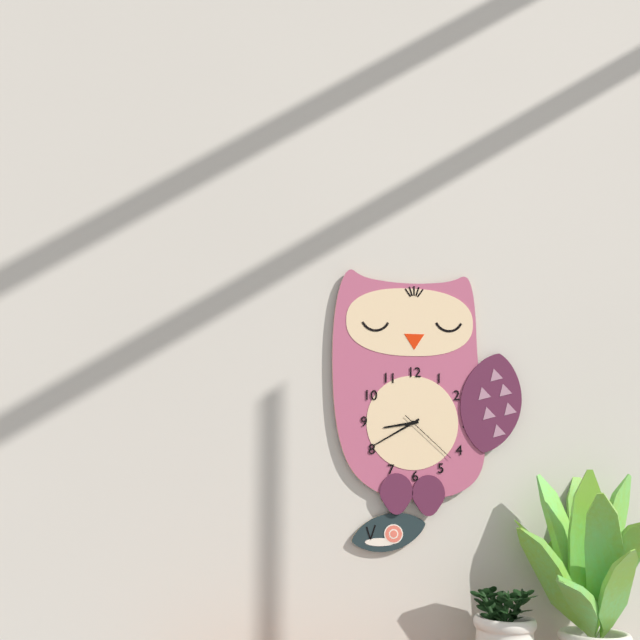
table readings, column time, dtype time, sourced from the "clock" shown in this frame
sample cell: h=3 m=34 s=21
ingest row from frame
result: h=8 m=40 s=22
